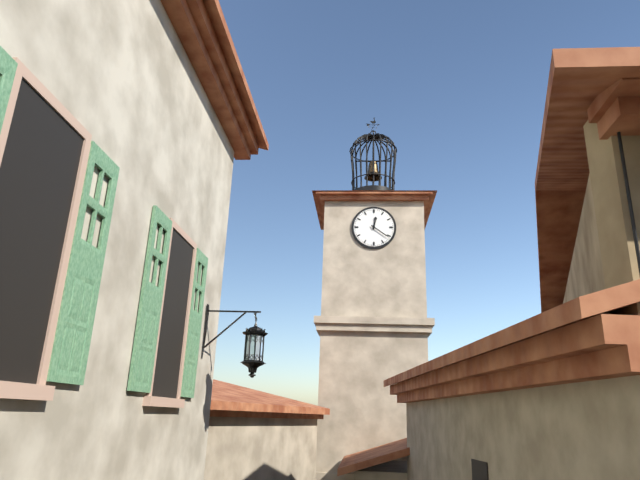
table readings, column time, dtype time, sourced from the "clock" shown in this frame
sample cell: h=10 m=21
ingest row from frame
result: h=12 m=21
